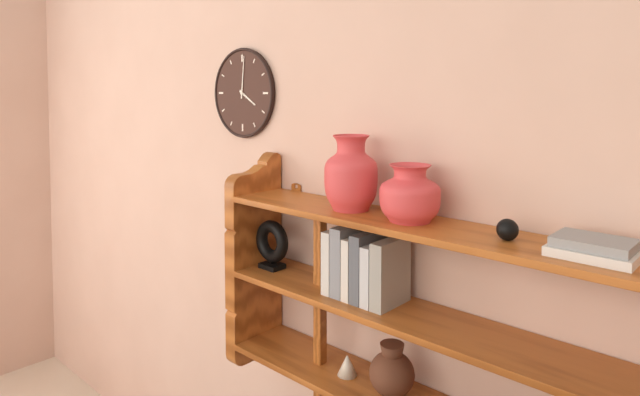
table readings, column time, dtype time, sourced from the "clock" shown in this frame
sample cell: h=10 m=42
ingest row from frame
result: h=4 m=1
